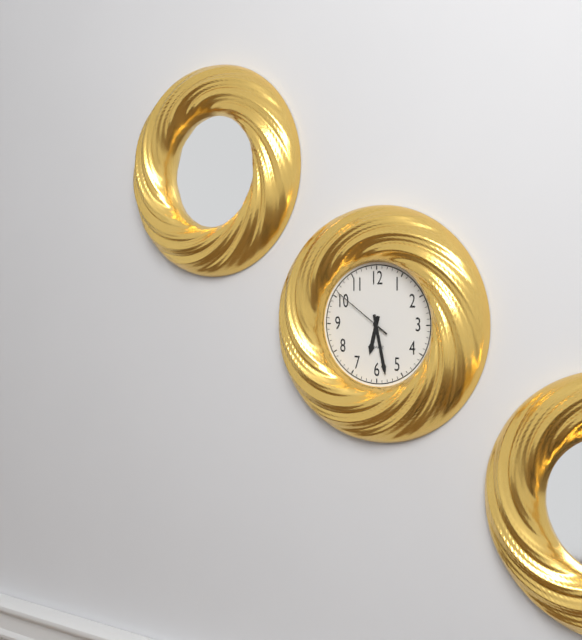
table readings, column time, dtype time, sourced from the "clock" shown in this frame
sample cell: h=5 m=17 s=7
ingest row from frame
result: h=6 m=28 s=51
